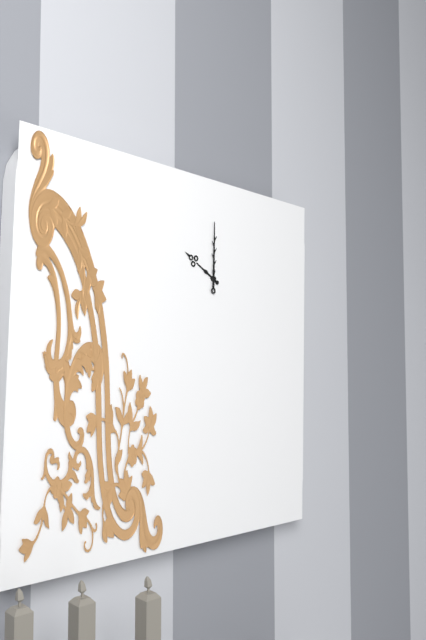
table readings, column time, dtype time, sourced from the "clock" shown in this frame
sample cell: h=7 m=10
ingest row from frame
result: h=10 m=0
